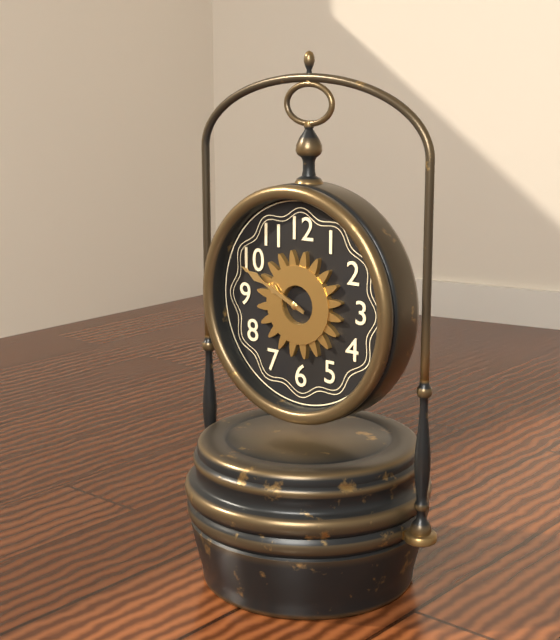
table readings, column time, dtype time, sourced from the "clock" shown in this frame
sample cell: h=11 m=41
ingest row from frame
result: h=9 m=49
